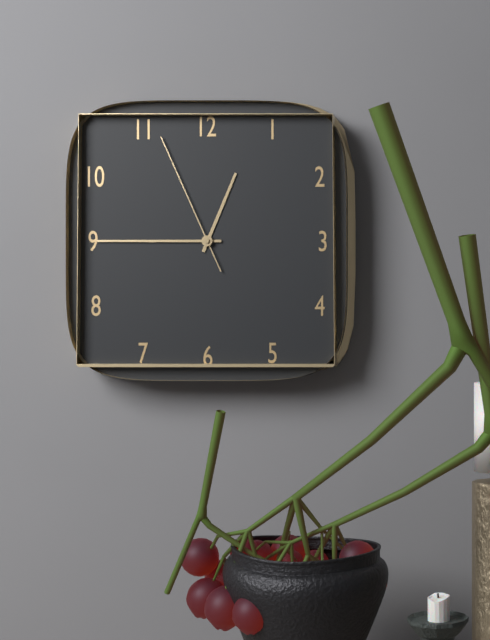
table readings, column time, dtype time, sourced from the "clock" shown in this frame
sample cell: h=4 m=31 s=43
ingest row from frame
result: h=12 m=45 s=56
